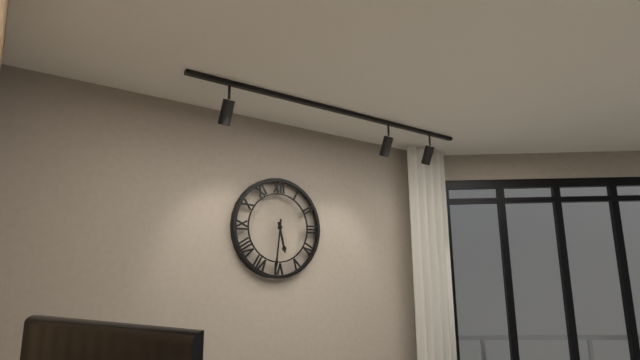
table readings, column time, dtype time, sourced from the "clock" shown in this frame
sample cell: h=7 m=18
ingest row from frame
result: h=5 m=31
